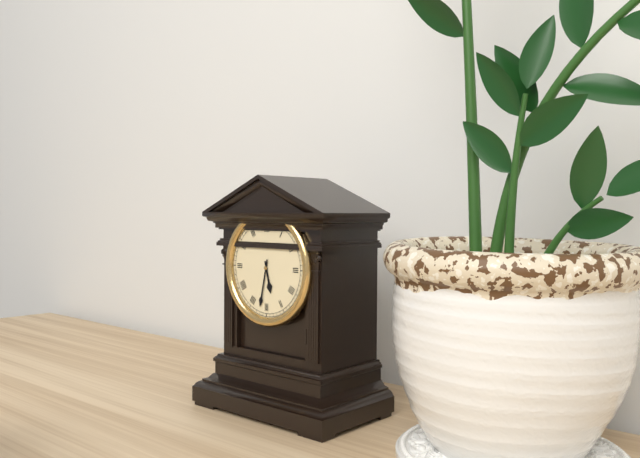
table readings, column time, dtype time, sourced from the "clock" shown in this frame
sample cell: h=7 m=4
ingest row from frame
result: h=5 m=32
